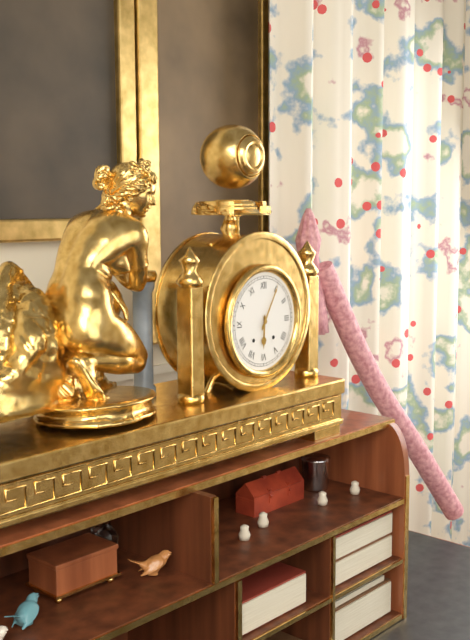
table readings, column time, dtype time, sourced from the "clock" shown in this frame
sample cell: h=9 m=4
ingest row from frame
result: h=6 m=5
